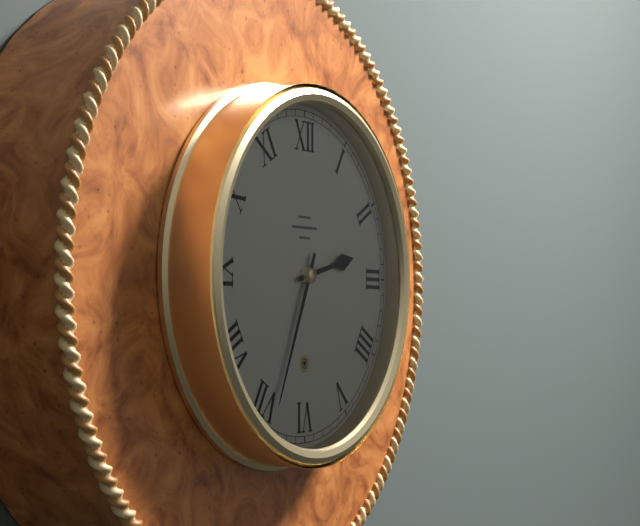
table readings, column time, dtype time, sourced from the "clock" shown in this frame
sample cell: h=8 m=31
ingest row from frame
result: h=2 m=34
